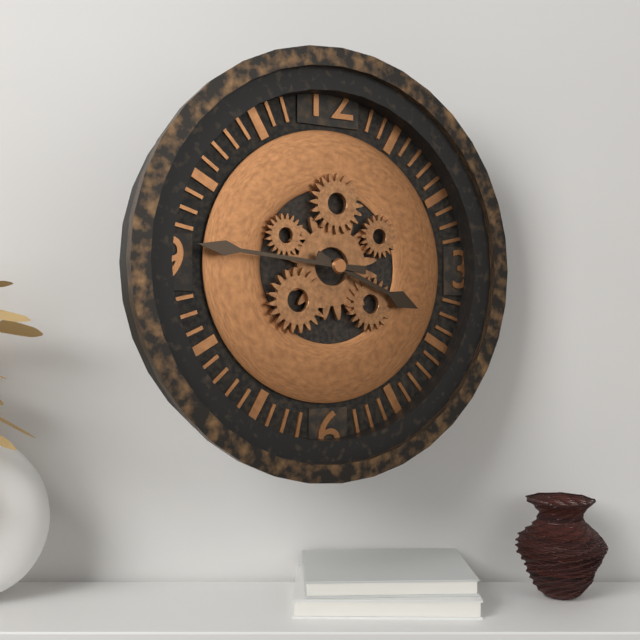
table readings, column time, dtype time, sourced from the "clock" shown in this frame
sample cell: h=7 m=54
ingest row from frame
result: h=3 m=46
